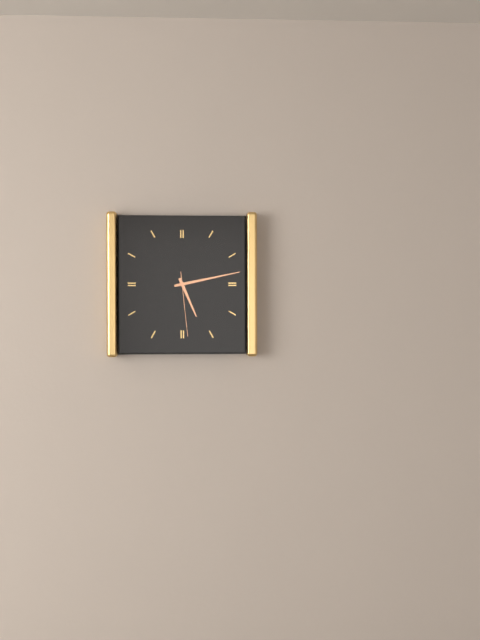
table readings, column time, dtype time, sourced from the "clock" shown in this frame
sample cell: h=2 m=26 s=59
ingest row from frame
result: h=5 m=13 s=29
